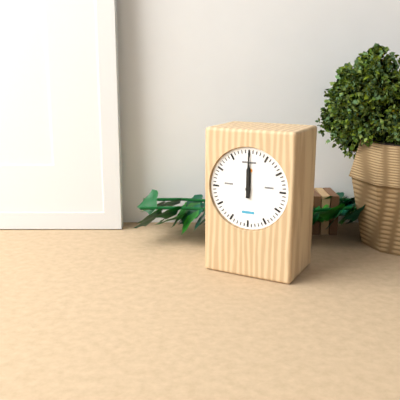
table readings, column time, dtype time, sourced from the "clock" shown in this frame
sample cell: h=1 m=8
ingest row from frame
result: h=12 m=0
